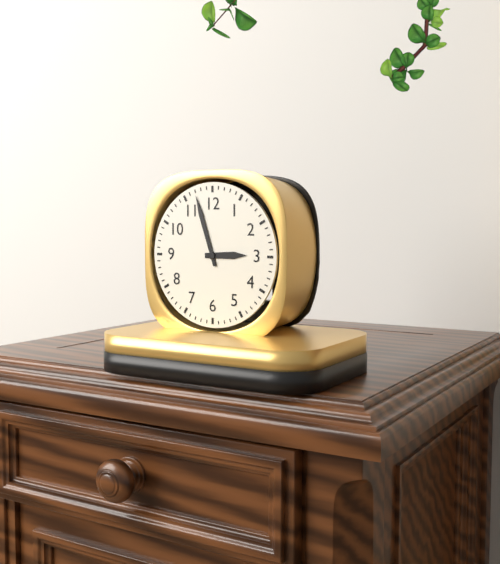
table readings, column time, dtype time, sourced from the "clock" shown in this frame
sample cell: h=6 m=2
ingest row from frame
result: h=2 m=57
